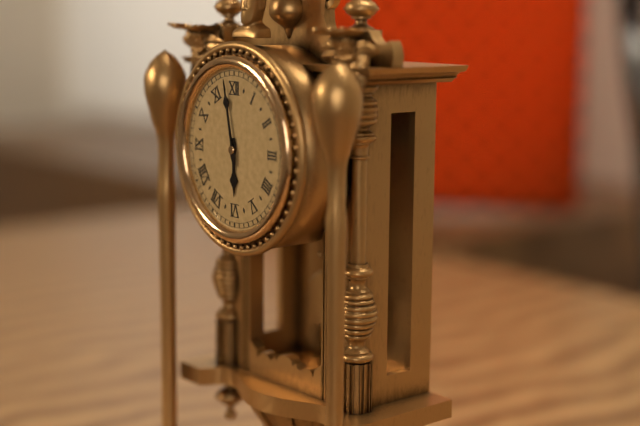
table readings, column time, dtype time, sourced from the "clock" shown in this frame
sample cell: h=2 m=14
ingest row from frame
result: h=5 m=58
